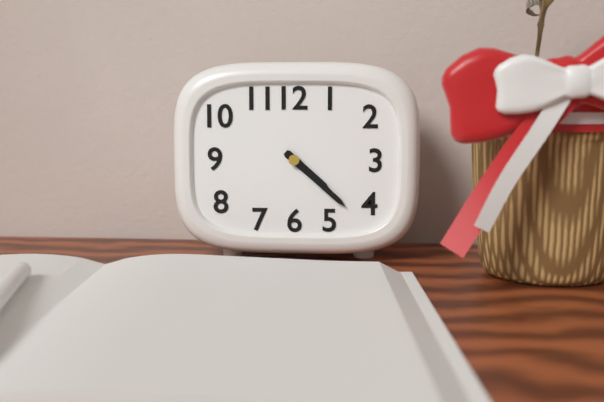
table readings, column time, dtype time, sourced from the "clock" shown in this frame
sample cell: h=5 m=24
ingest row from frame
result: h=4 m=22
